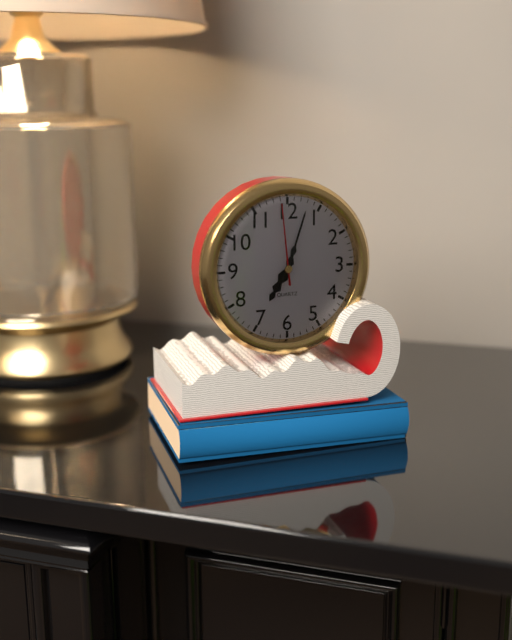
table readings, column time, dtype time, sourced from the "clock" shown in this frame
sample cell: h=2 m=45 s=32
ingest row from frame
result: h=7 m=3 s=59
